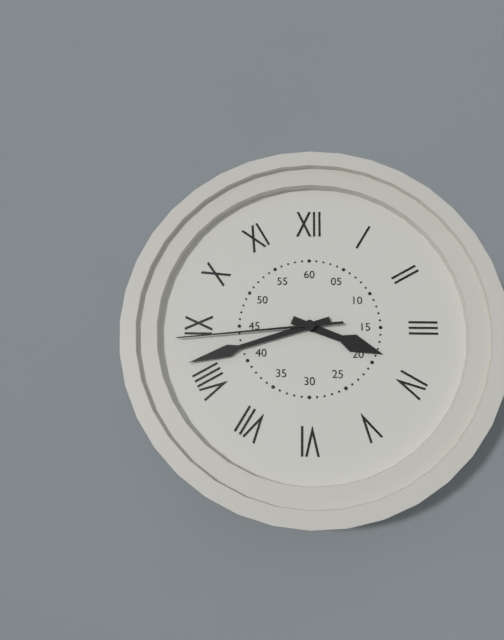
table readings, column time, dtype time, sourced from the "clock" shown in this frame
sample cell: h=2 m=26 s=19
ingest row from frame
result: h=3 m=42 s=44
